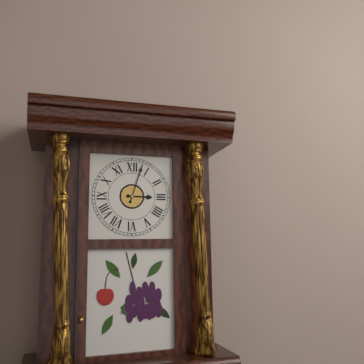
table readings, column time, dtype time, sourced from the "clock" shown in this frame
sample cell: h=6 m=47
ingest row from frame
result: h=3 m=3
